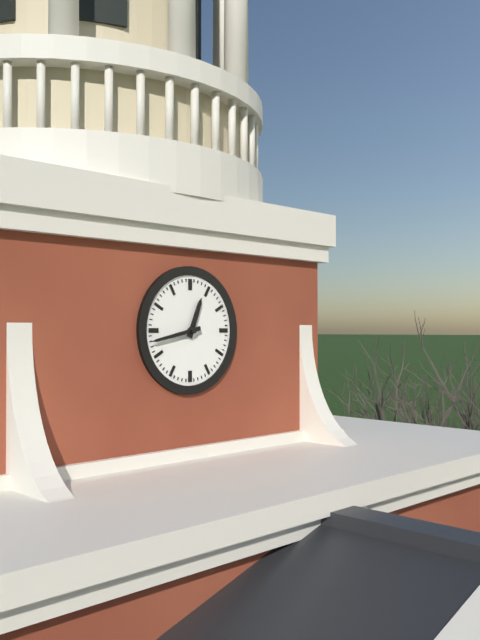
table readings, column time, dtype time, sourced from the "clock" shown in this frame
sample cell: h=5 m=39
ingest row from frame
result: h=12 m=43
